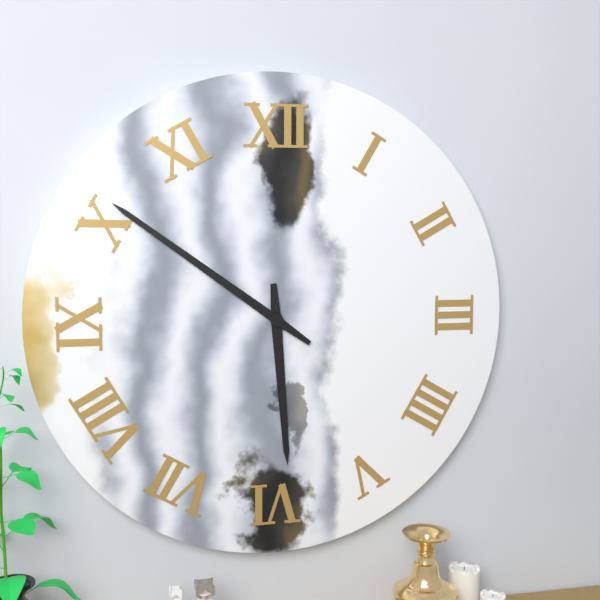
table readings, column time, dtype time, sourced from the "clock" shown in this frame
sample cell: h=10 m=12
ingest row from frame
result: h=5 m=51
